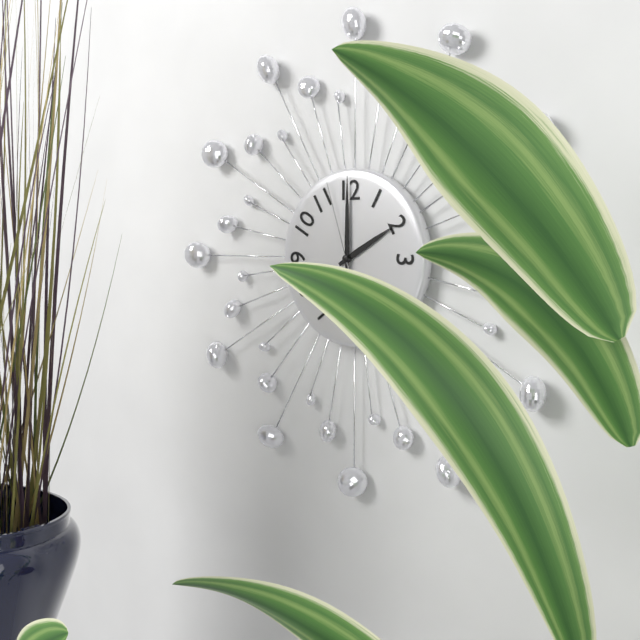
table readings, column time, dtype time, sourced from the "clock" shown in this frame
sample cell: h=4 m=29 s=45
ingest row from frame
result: h=2 m=0 s=57
